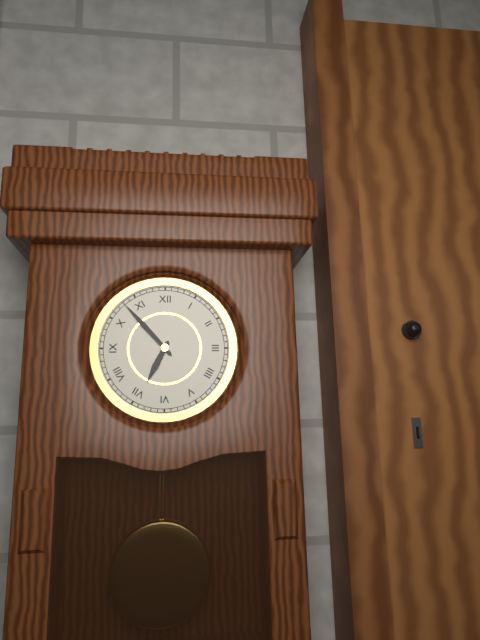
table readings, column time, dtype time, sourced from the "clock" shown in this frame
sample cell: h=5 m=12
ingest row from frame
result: h=6 m=53
